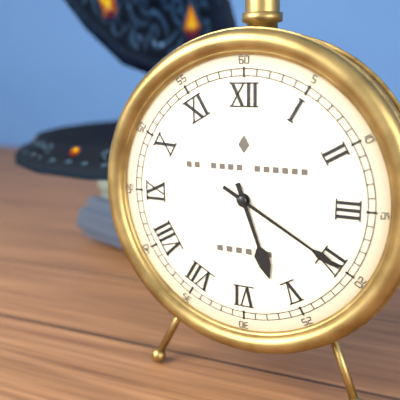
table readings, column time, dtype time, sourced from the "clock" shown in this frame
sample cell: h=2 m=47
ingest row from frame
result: h=5 m=20
